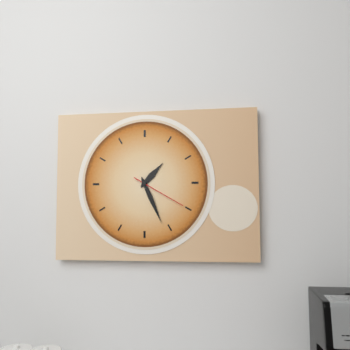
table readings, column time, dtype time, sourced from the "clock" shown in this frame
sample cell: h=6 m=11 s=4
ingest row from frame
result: h=1 m=26 s=20
